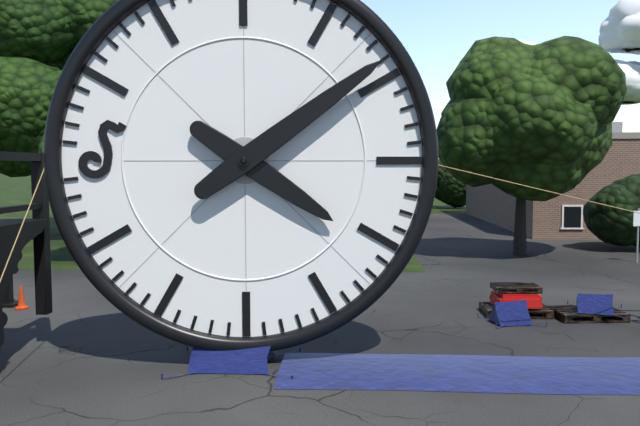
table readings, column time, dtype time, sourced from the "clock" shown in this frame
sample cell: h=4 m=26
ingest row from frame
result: h=4 m=9
